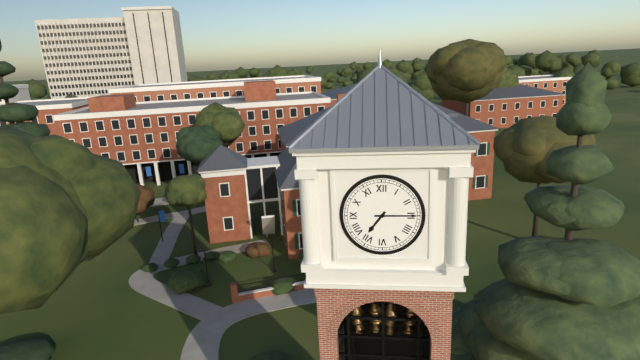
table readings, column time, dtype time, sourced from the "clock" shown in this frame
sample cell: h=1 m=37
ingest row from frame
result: h=7 m=15
